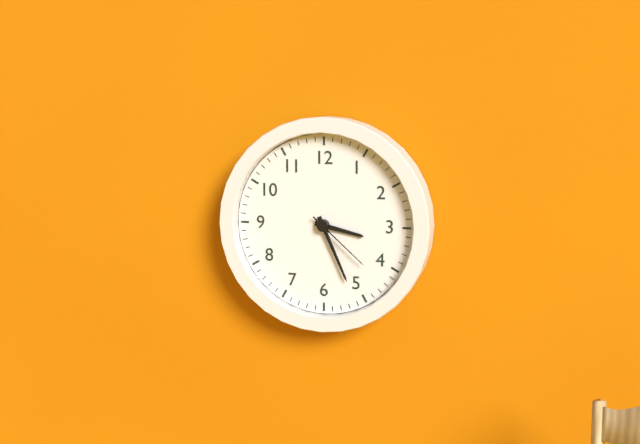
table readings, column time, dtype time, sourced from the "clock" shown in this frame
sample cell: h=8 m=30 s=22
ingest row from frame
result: h=3 m=26 s=22
